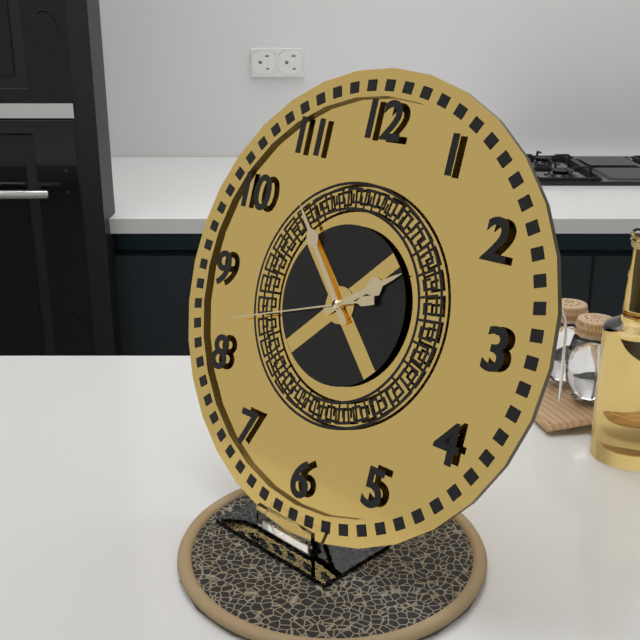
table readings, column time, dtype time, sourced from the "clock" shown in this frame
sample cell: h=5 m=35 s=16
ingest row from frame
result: h=1 m=53 s=42
